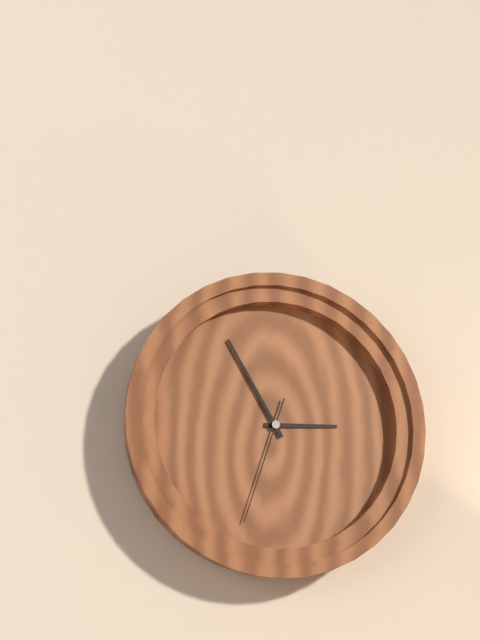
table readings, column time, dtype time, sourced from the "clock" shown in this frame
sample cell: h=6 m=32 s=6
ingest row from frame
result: h=2 m=55 s=33
